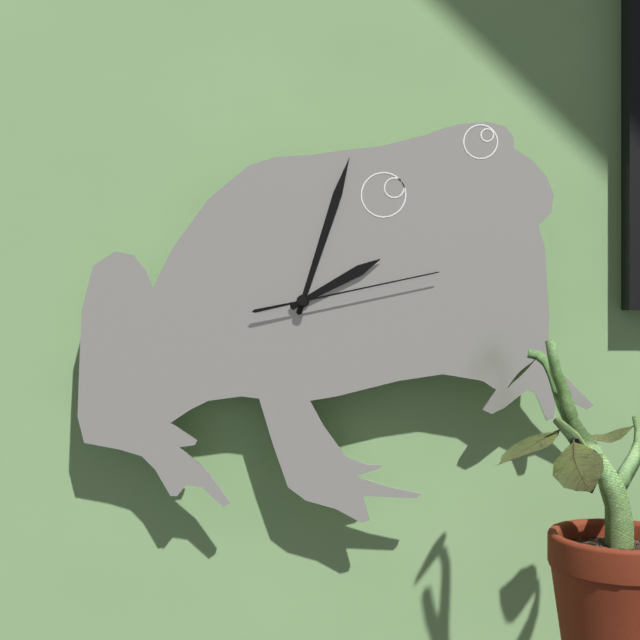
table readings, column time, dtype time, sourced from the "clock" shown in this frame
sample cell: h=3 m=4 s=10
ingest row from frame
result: h=2 m=3 s=13
